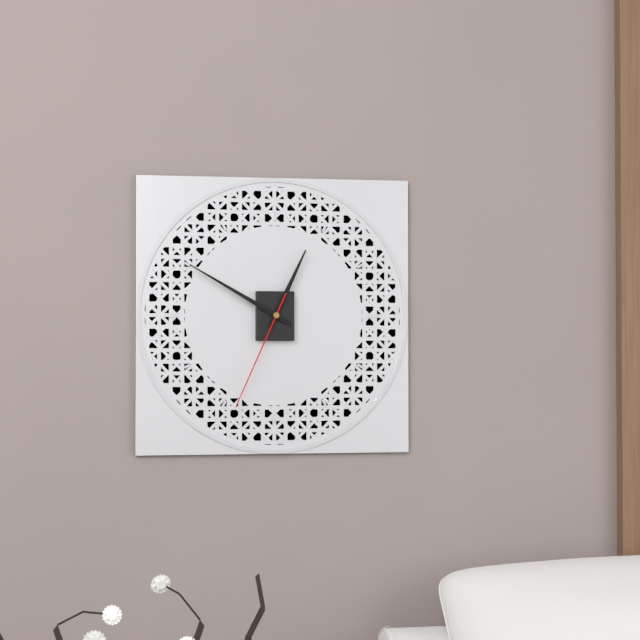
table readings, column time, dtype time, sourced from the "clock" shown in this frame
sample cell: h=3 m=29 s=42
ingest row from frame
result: h=12 m=50 s=34
